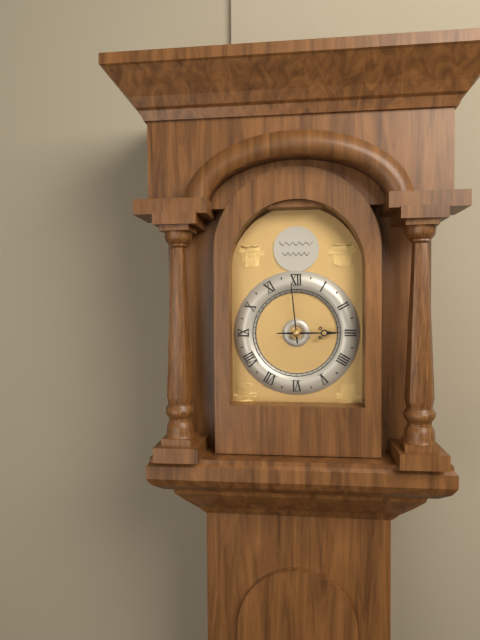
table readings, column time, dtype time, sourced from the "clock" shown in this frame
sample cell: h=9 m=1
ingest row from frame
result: h=2 m=59
